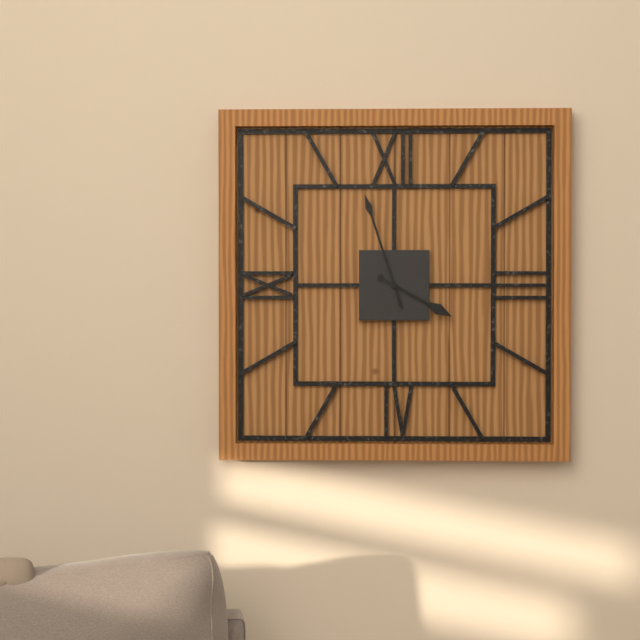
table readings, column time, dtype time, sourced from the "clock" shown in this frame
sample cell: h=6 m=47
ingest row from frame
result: h=3 m=57
